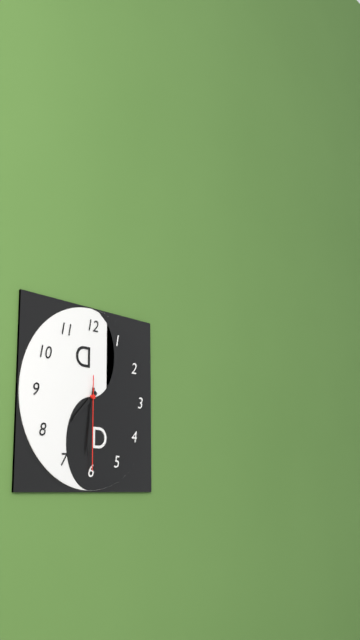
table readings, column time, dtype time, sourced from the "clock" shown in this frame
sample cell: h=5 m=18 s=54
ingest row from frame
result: h=7 m=31 s=30
